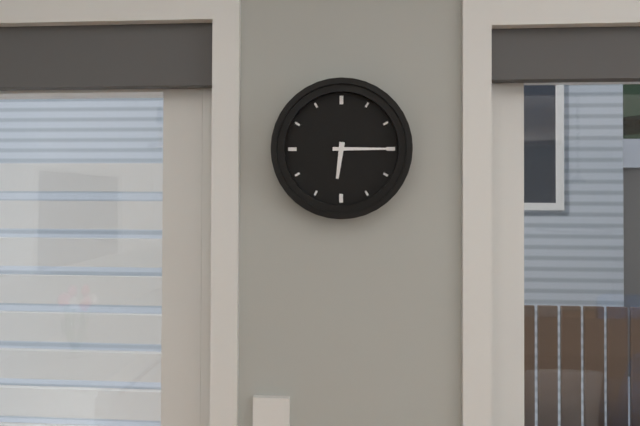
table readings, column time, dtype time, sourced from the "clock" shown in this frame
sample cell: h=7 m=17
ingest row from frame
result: h=6 m=15
